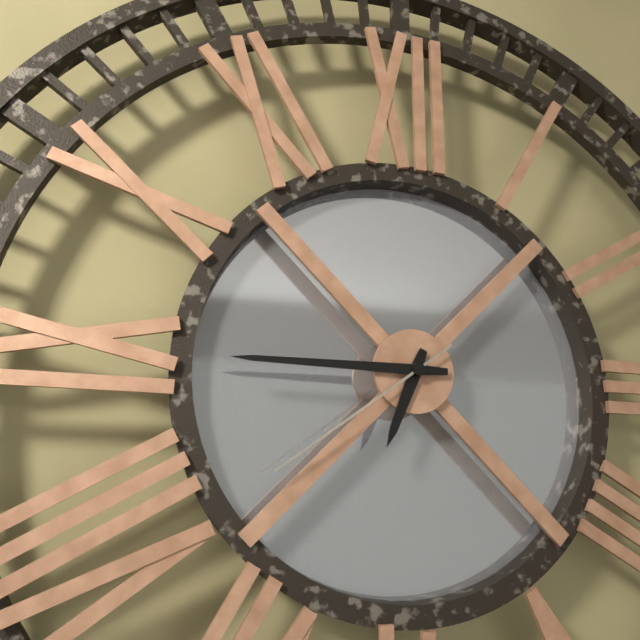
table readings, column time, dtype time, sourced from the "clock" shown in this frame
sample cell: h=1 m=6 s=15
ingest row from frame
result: h=6 m=45 s=39
